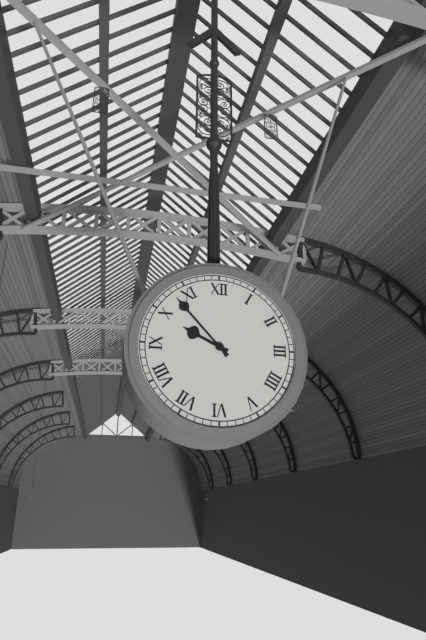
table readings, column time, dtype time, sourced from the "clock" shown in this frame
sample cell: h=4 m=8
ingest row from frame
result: h=9 m=53
